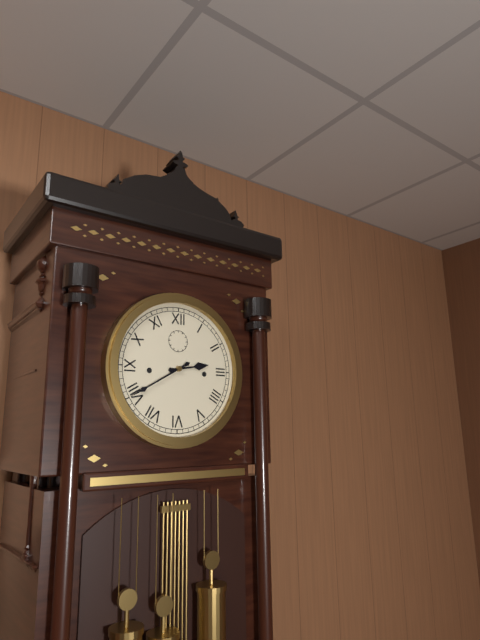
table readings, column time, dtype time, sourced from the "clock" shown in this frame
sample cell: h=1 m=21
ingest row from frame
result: h=2 m=40
